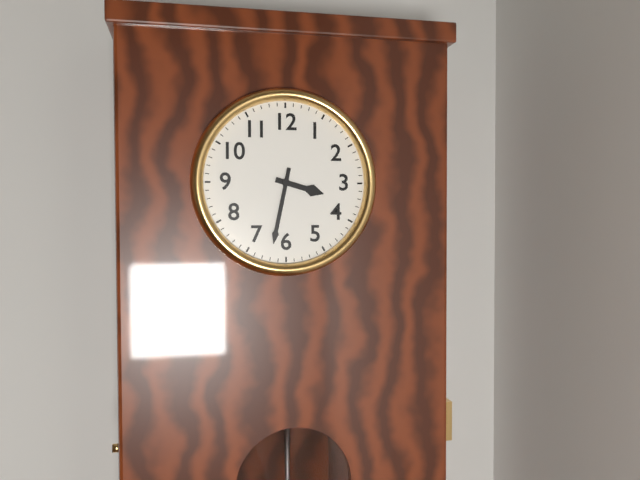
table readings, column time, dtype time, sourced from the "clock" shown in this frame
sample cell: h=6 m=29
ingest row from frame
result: h=3 m=32
